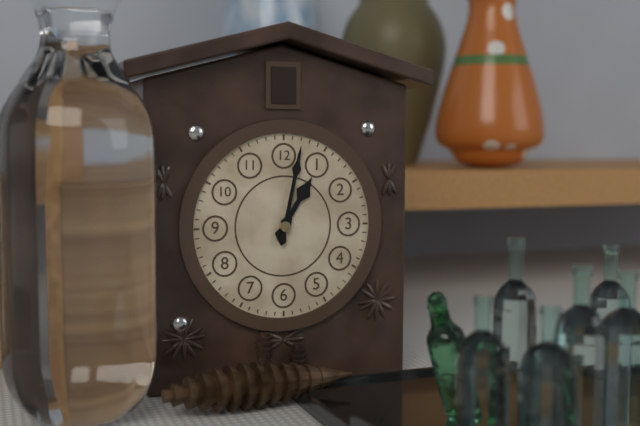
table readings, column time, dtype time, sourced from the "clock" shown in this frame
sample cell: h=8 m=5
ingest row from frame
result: h=1 m=2
